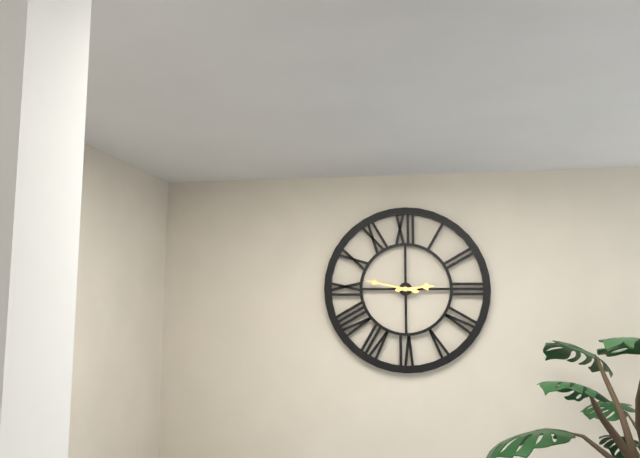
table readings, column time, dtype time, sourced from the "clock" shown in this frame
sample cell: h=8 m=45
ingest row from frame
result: h=2 m=47
